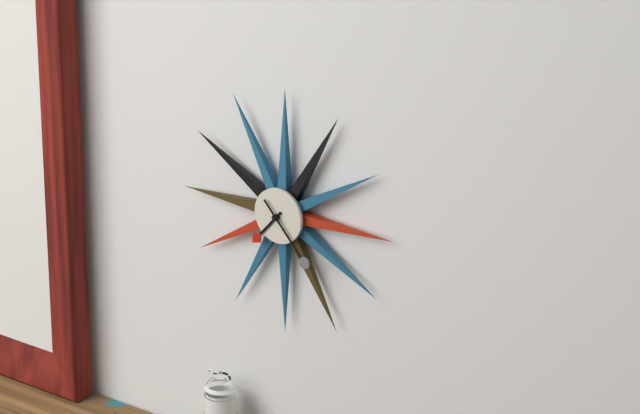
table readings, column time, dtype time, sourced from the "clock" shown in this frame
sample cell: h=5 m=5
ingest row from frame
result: h=7 m=23
